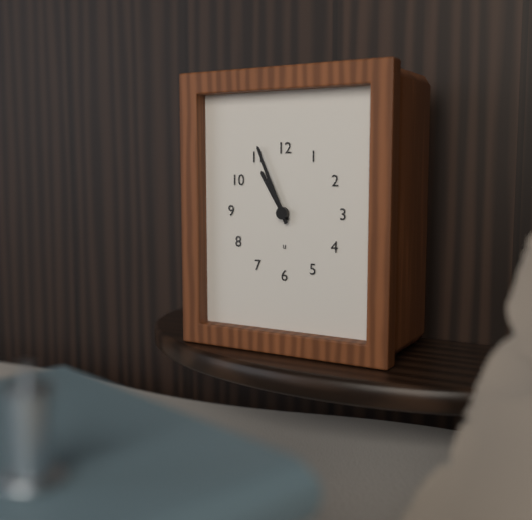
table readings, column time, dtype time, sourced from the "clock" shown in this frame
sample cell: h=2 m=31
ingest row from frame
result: h=10 m=56
